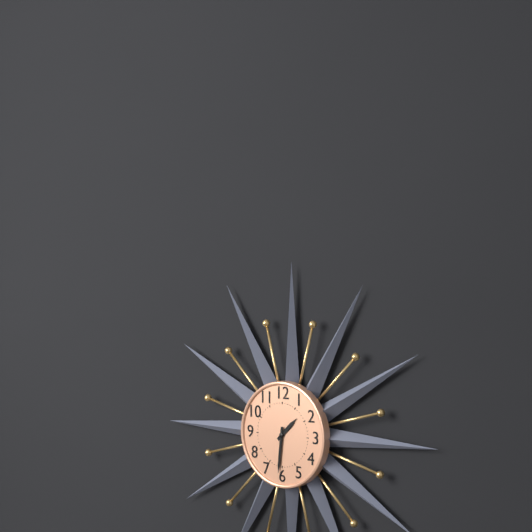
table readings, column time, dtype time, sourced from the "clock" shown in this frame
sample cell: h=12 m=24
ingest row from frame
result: h=1 m=31
